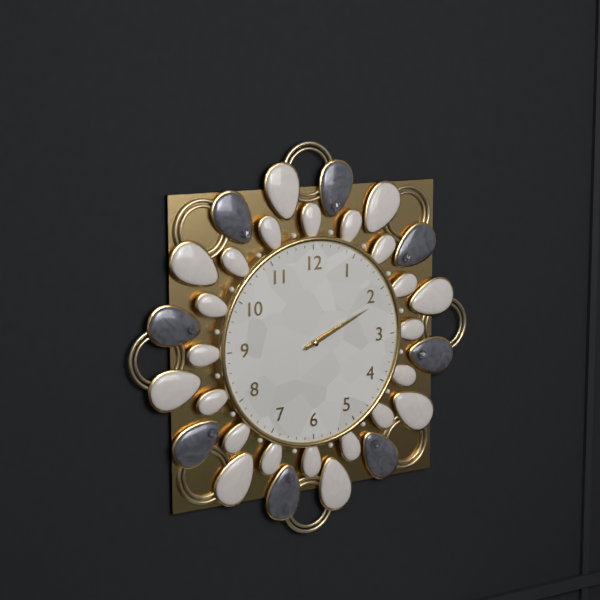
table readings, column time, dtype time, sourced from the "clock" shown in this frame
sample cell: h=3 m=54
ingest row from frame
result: h=2 m=11
